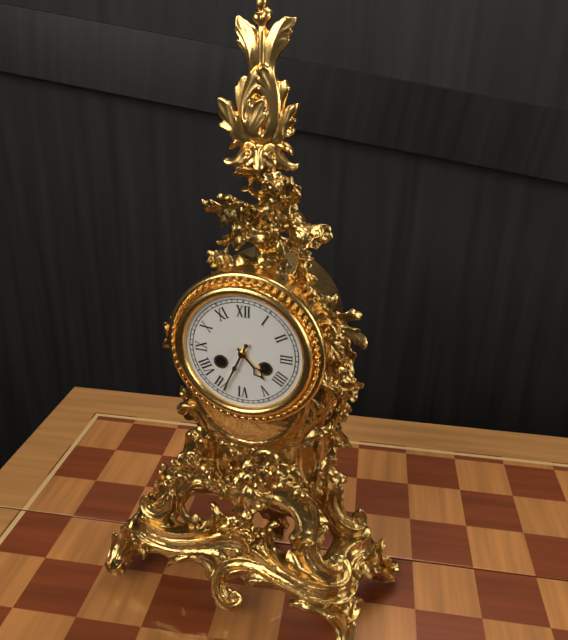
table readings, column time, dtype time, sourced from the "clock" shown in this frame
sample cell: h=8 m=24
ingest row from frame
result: h=4 m=34
